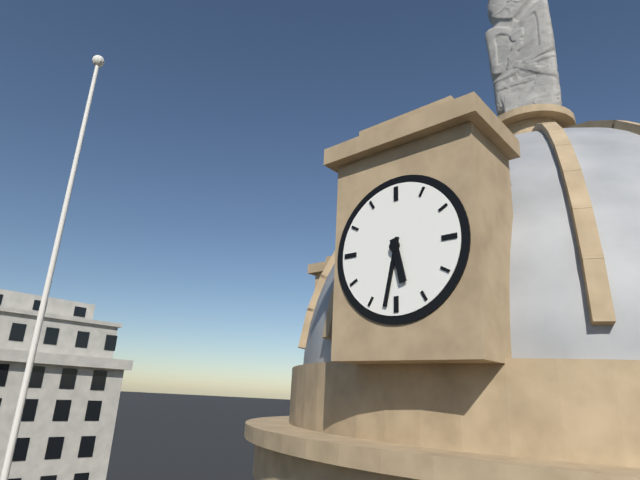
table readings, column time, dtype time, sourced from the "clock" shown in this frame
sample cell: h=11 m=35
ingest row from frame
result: h=5 m=32
